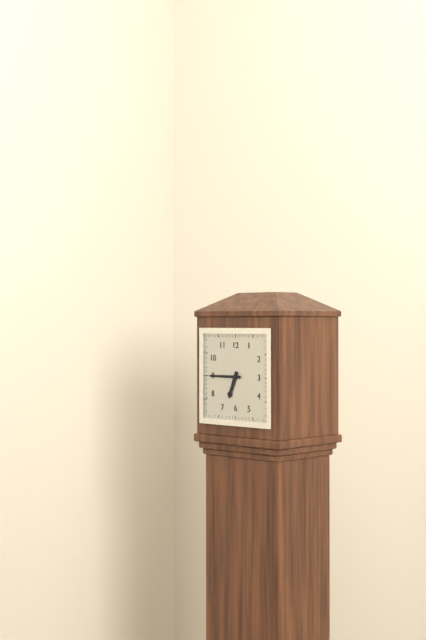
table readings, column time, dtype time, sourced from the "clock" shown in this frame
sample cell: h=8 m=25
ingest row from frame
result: h=6 m=45
